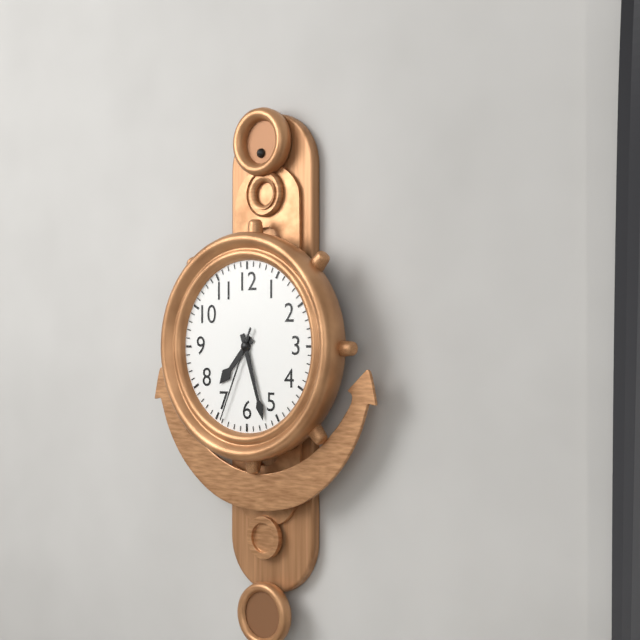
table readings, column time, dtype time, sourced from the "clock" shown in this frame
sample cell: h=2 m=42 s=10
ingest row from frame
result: h=7 m=27 s=34
